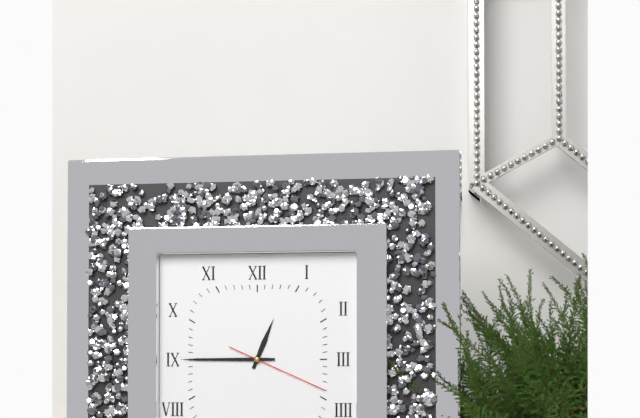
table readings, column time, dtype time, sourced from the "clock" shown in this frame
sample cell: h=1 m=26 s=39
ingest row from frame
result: h=12 m=45 s=19
